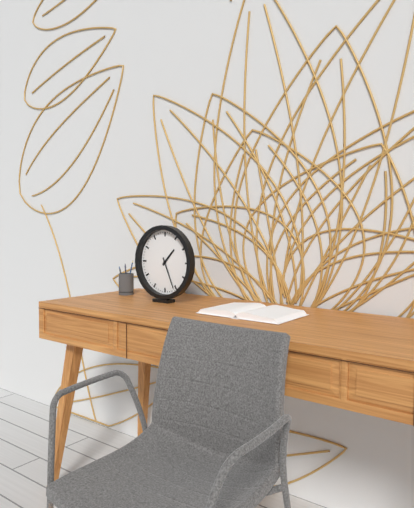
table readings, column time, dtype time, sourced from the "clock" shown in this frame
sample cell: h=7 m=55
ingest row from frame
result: h=1 m=26
